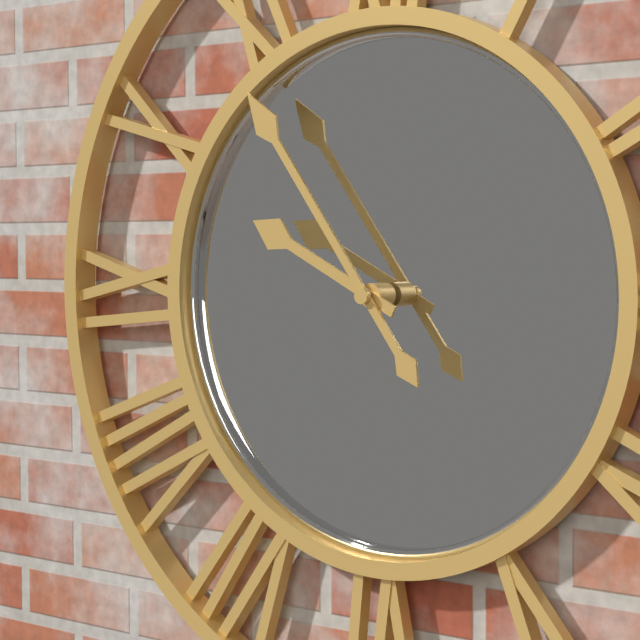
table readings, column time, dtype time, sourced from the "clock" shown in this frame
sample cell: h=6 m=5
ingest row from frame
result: h=9 m=54
